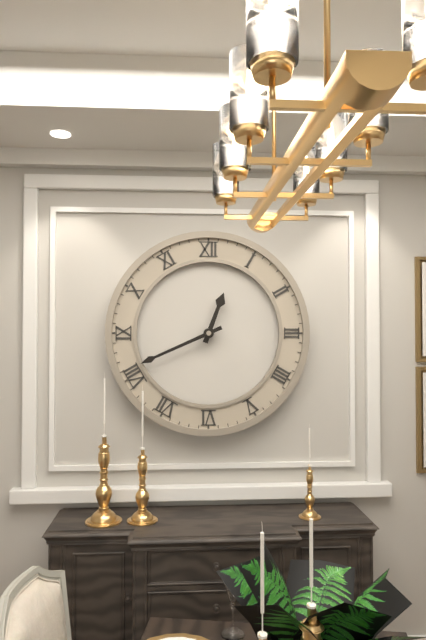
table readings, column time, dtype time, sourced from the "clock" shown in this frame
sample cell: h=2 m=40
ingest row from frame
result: h=12 m=41
